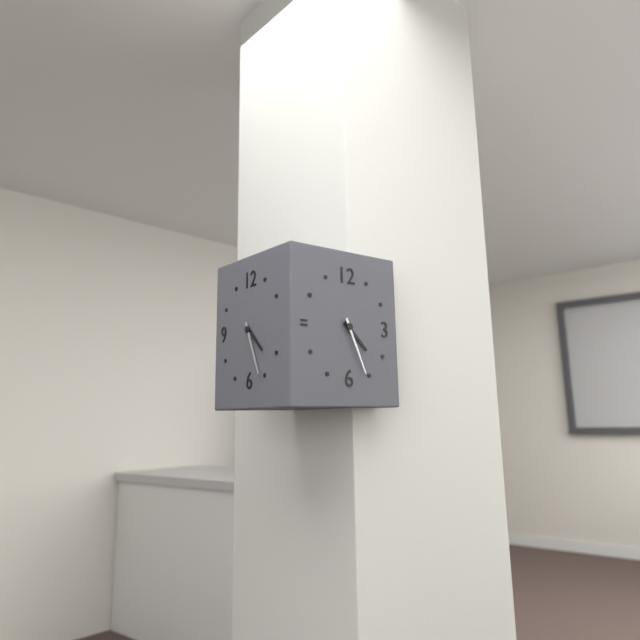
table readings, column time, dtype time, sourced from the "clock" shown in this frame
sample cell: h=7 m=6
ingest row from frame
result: h=4 m=26
